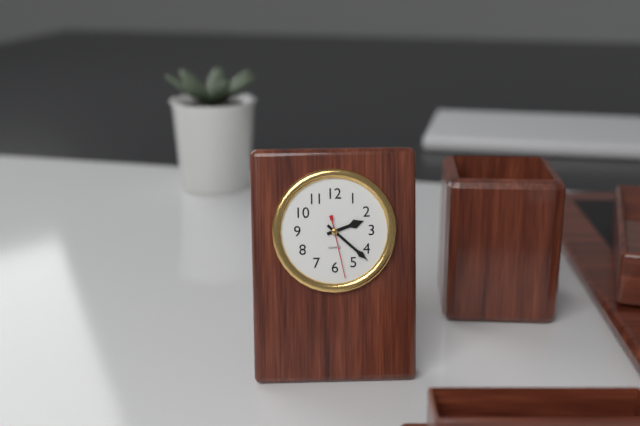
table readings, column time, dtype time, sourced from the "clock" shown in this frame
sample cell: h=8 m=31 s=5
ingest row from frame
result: h=2 m=22 s=28
